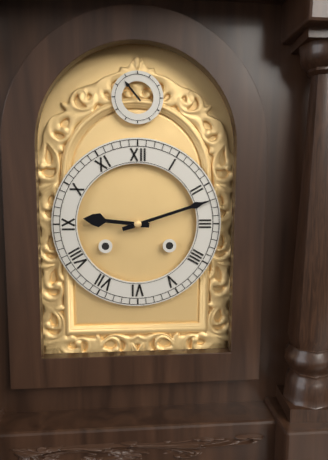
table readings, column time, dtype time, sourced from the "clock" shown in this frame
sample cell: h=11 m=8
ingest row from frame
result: h=9 m=12
